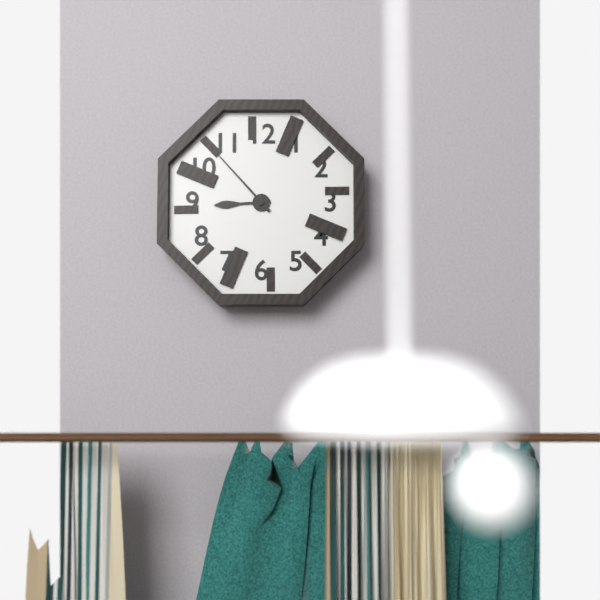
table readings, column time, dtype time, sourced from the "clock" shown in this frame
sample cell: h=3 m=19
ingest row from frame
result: h=8 m=53
